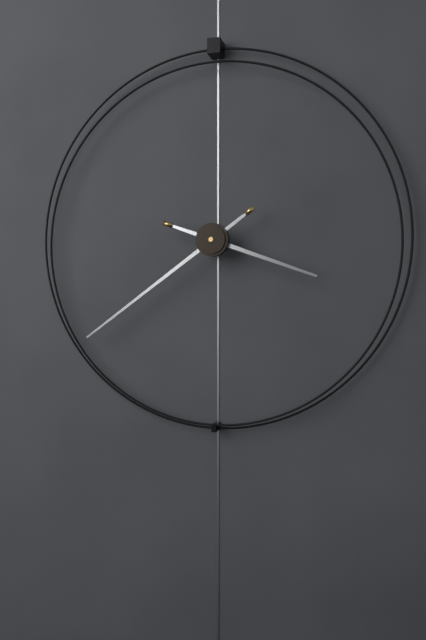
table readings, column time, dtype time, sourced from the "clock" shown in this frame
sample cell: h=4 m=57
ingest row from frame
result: h=3 m=39
